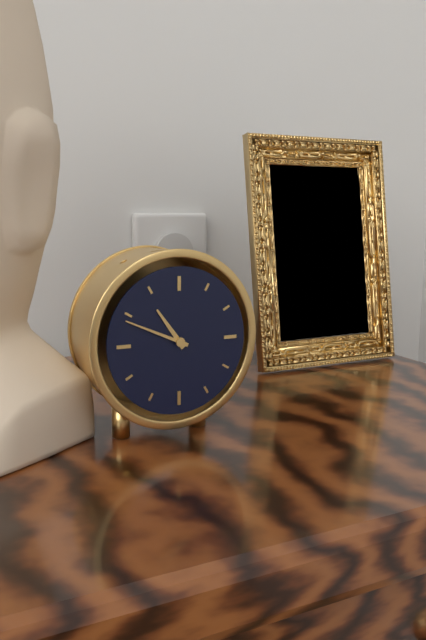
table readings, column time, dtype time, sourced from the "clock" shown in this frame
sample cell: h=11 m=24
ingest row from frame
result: h=10 m=49
